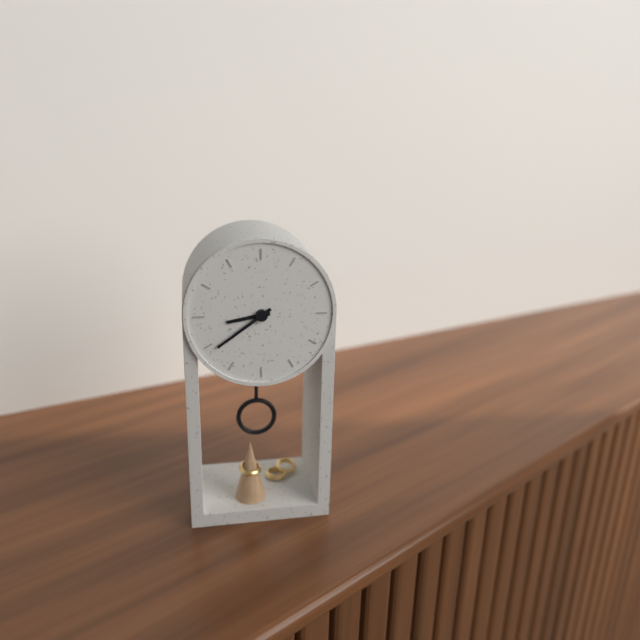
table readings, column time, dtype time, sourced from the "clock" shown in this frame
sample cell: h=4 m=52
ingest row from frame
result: h=8 m=39
